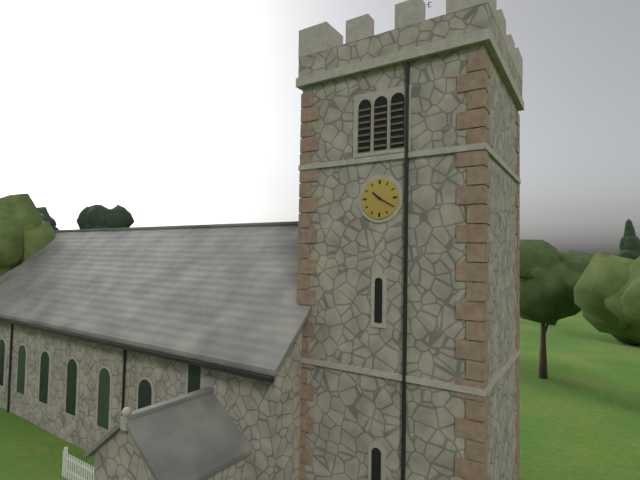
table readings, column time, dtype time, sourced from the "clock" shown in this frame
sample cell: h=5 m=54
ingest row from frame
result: h=10 m=20
